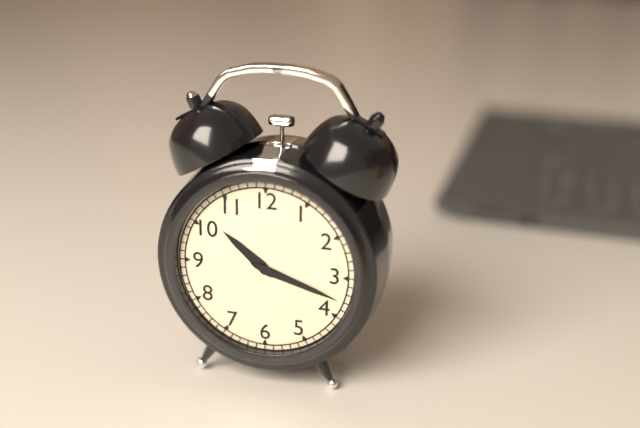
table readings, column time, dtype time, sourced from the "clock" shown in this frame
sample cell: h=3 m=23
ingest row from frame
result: h=10 m=18
